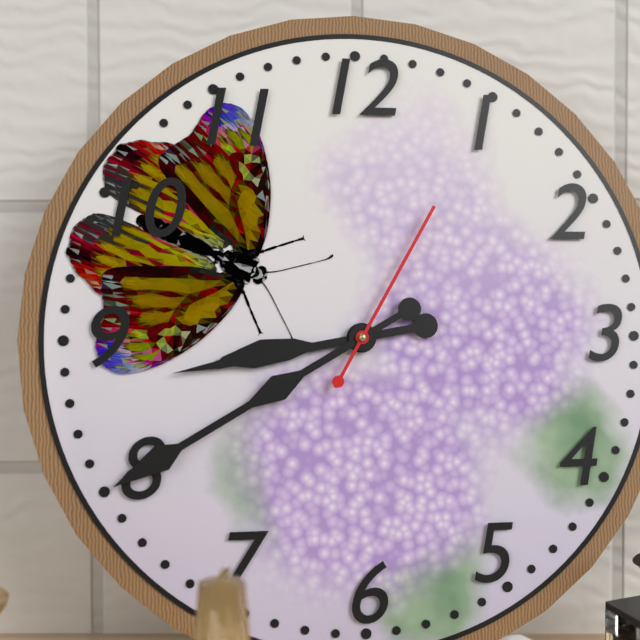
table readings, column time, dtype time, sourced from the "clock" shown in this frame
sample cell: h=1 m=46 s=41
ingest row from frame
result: h=8 m=40 s=5
